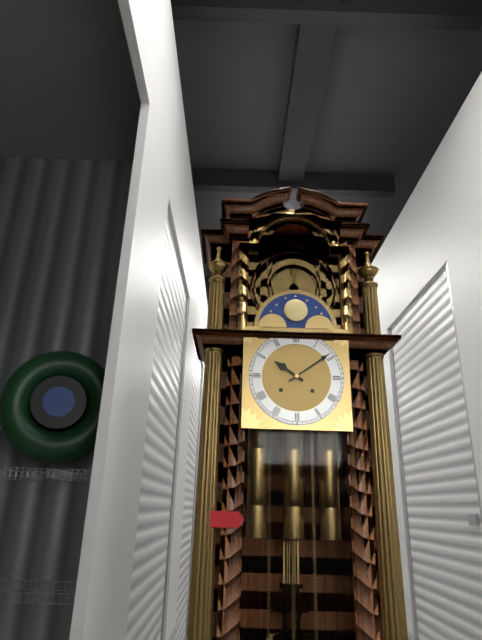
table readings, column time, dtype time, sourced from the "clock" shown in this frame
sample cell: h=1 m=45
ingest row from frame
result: h=10 m=9
